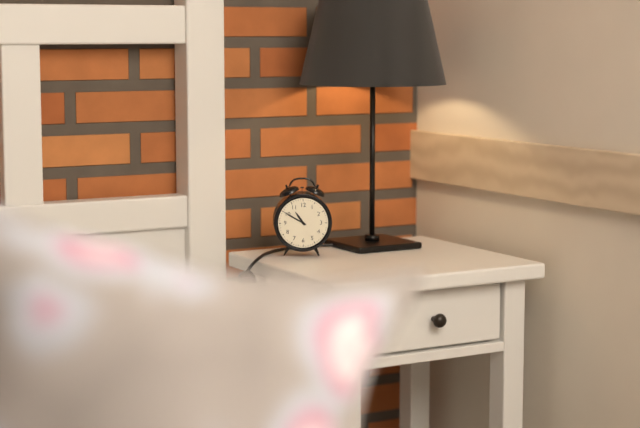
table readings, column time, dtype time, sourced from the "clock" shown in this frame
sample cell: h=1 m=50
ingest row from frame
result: h=10 m=50
